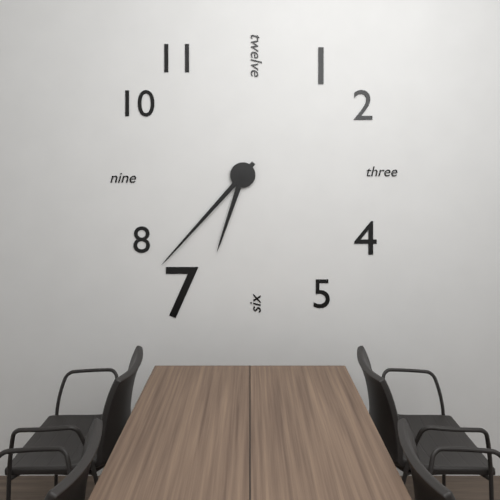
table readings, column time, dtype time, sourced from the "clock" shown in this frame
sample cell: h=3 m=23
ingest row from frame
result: h=6 m=37
